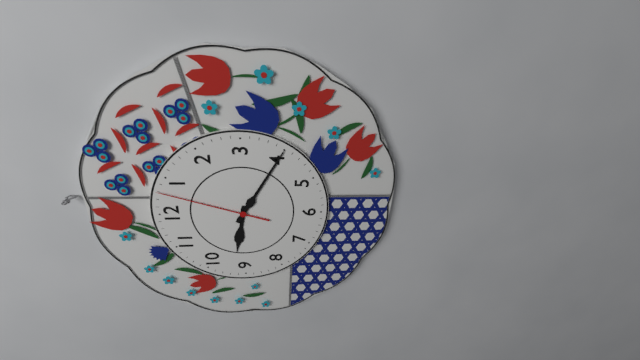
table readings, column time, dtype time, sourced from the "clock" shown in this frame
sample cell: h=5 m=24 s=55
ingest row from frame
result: h=9 m=20 s=3
